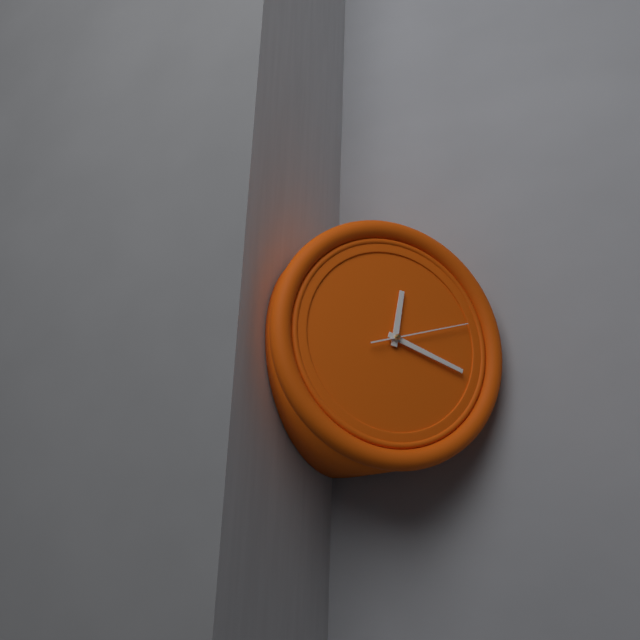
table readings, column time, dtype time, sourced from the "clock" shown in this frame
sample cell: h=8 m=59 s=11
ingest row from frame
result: h=12 m=18 s=12
